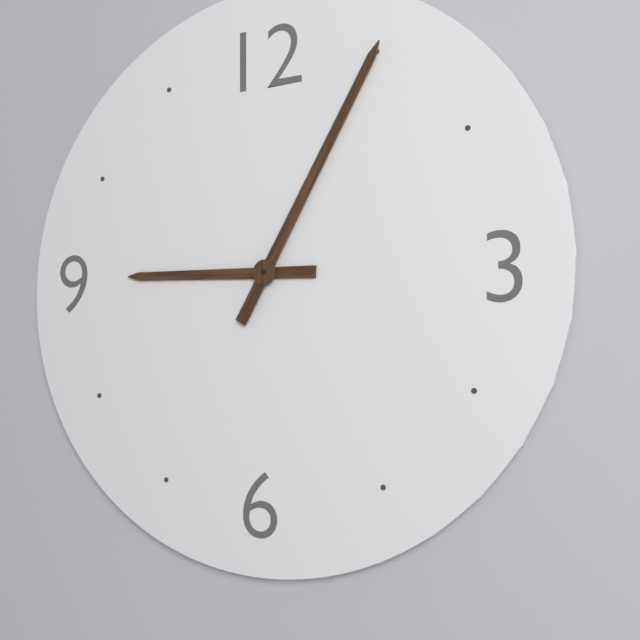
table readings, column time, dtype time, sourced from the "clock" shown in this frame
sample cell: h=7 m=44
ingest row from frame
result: h=9 m=5
